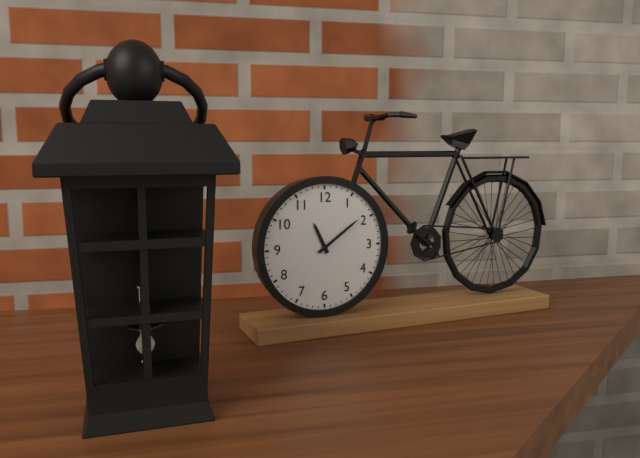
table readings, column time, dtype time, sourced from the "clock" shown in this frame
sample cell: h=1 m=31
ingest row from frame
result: h=11 m=9
